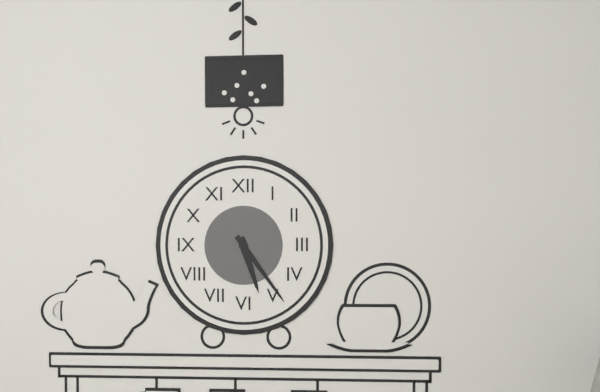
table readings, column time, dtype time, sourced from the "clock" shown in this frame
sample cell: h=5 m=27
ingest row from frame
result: h=5 m=24
